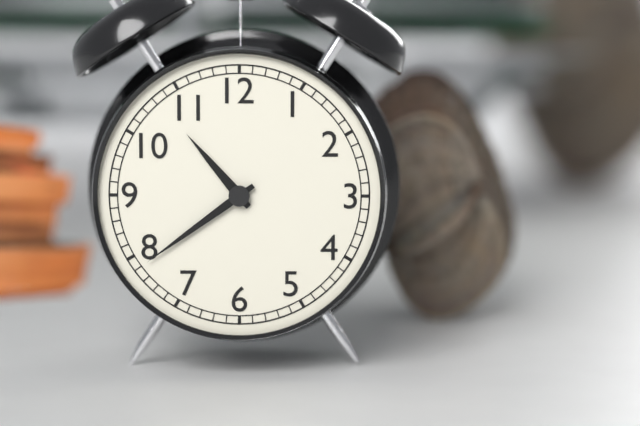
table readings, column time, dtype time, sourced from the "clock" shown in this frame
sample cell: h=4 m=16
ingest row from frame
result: h=10 m=39
